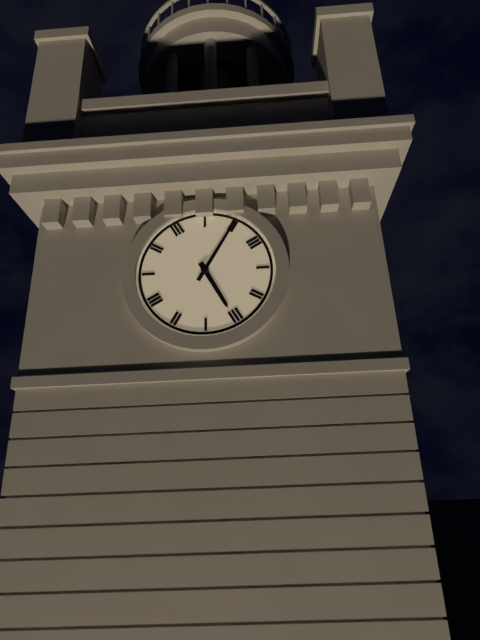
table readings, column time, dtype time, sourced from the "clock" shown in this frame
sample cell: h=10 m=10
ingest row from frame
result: h=5 m=5
